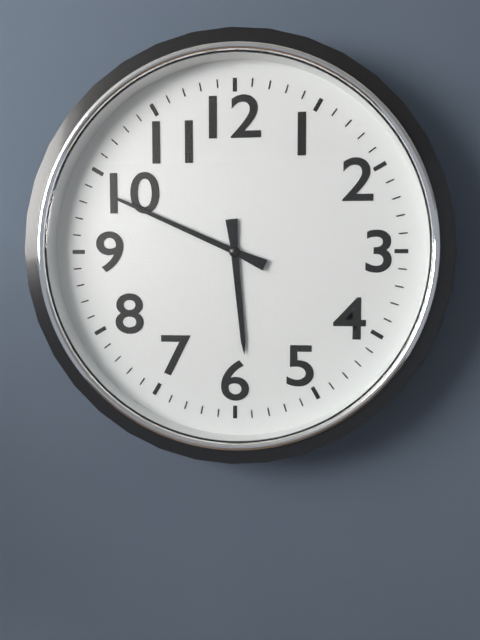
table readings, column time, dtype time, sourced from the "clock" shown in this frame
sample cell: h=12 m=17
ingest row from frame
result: h=5 m=49
